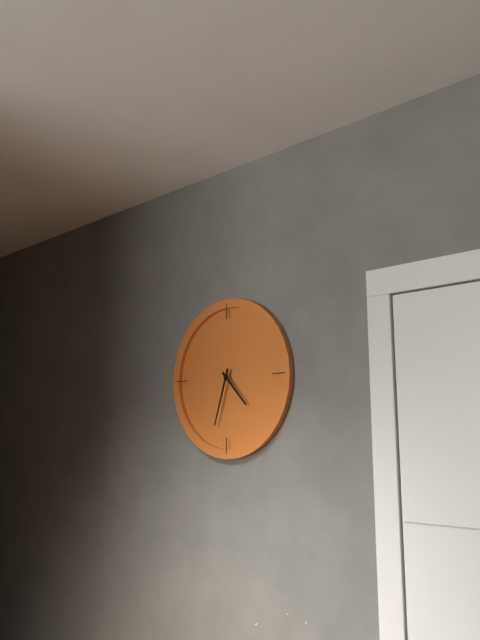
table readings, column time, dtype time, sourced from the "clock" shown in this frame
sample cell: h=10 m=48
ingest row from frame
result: h=4 m=33
